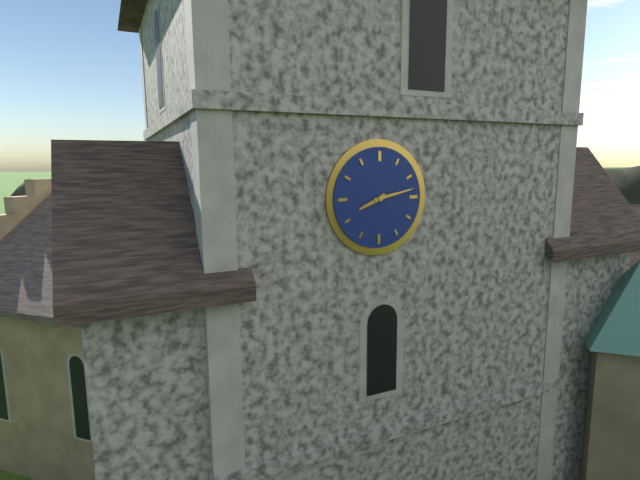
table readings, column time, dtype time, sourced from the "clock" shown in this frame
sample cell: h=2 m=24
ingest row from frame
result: h=8 m=13
